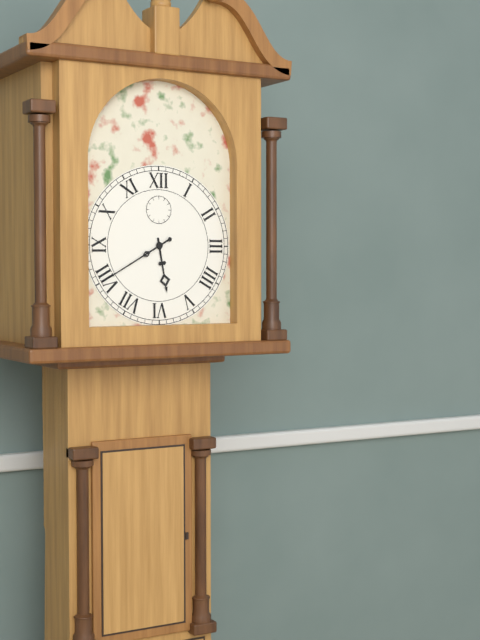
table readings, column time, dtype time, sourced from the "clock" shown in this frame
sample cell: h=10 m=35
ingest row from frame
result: h=5 m=40
